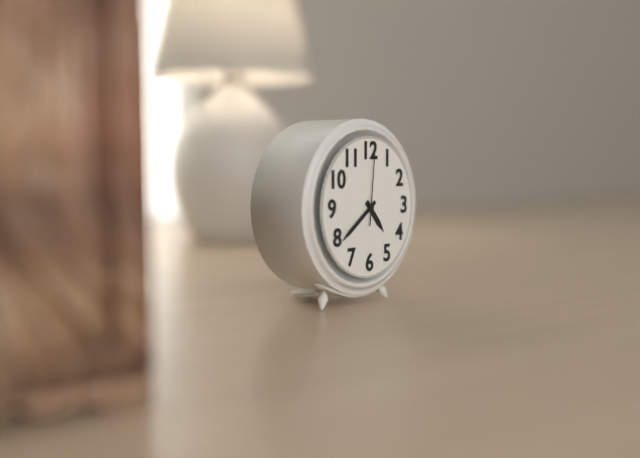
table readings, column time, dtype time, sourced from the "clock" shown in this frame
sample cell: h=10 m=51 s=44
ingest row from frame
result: h=4 m=39 s=1
